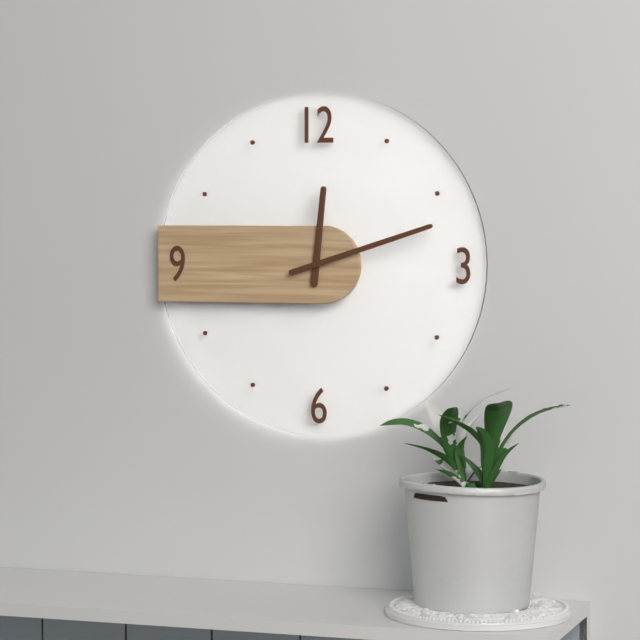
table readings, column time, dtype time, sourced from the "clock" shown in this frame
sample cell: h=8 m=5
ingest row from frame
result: h=12 m=12
